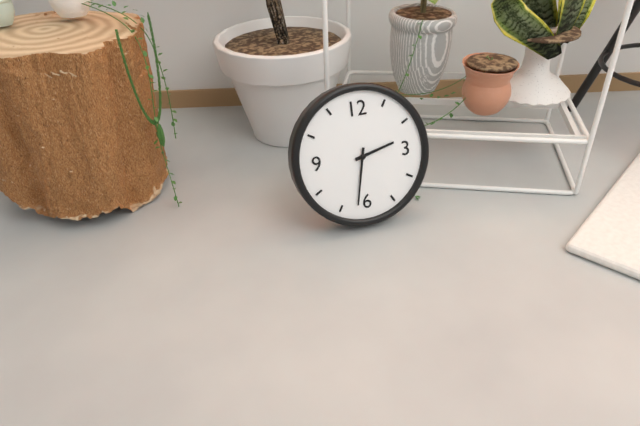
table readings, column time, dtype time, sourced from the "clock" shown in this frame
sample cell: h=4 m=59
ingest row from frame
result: h=2 m=32
